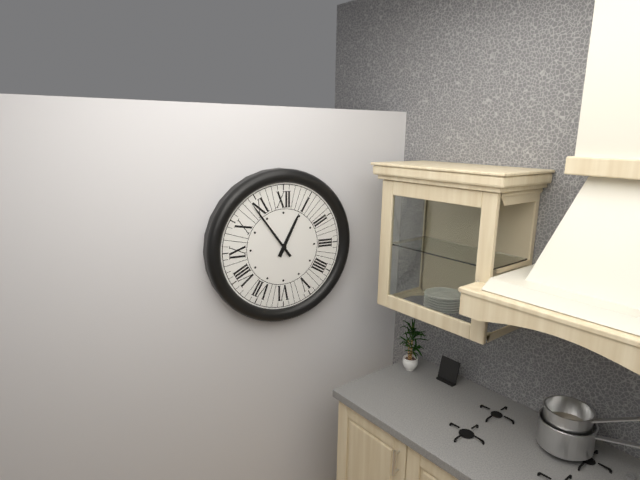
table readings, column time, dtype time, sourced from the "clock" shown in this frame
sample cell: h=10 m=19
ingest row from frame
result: h=12 m=54
